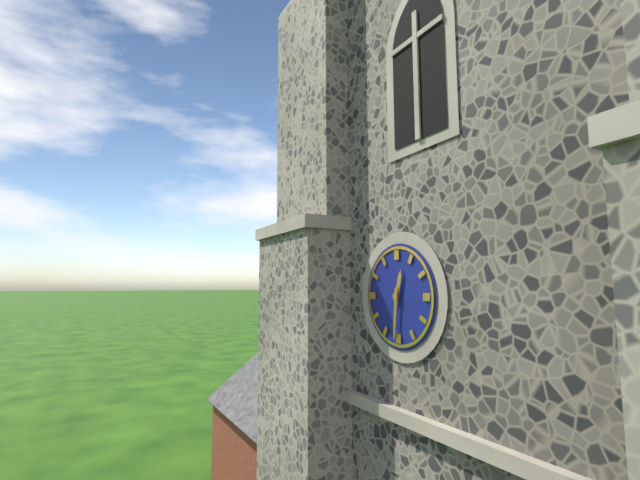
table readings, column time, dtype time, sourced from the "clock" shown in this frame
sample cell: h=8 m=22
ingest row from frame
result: h=12 m=31
